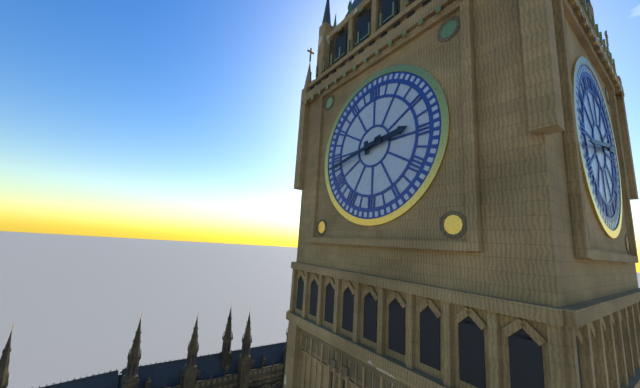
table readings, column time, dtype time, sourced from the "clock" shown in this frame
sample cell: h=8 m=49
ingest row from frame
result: h=2 m=43
